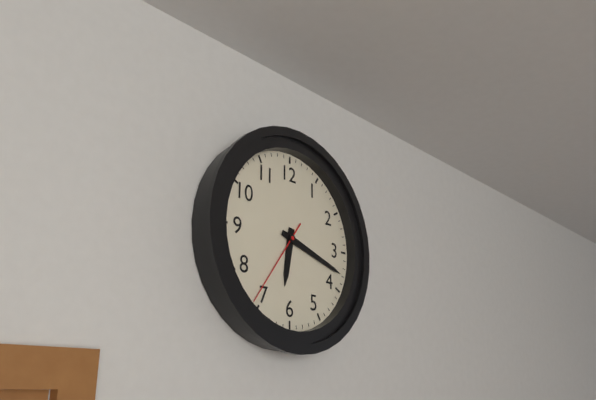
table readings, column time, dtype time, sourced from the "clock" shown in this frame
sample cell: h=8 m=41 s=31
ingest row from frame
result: h=6 m=18 s=36
